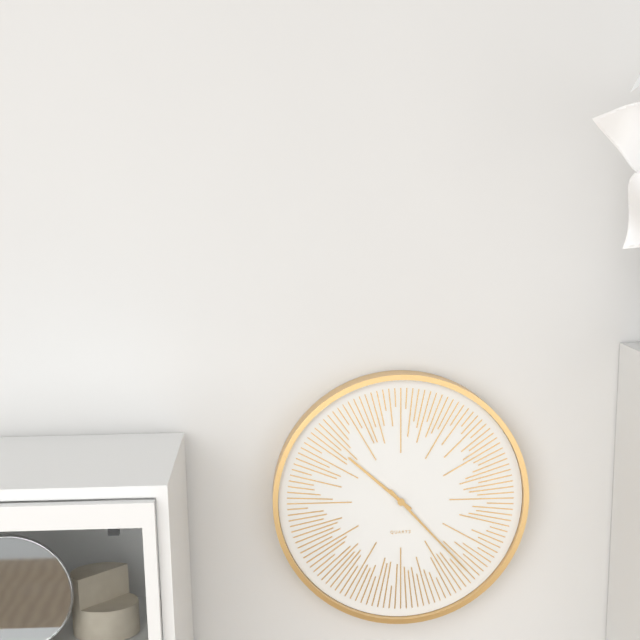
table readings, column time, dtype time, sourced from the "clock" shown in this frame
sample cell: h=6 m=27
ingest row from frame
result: h=10 m=23
